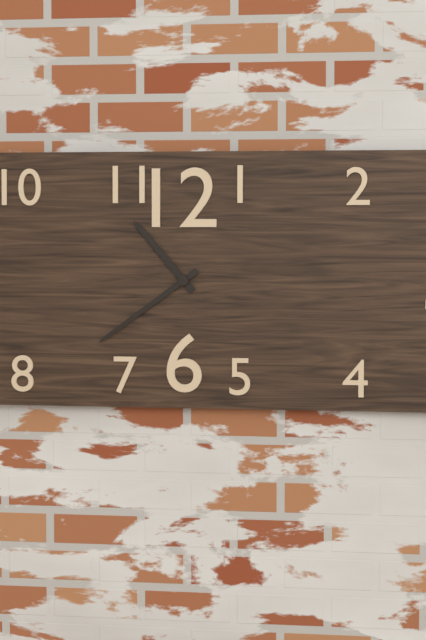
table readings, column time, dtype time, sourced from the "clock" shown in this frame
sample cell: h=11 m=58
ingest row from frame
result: h=10 m=39
